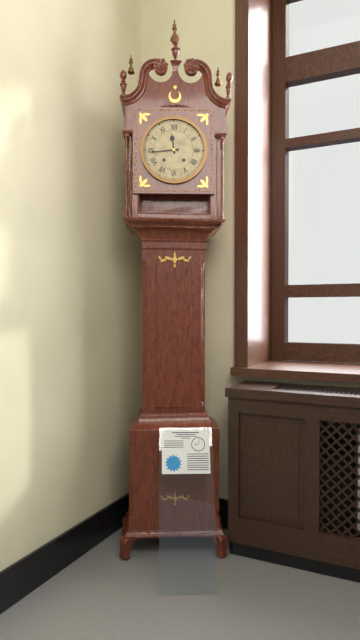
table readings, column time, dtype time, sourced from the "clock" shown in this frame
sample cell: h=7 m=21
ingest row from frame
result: h=11 m=44
